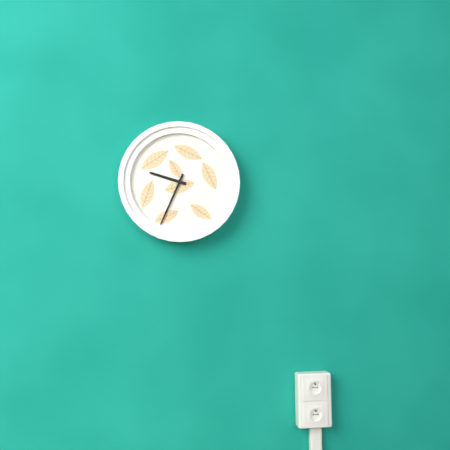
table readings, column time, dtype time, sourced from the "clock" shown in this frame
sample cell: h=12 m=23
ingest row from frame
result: h=9 m=34
